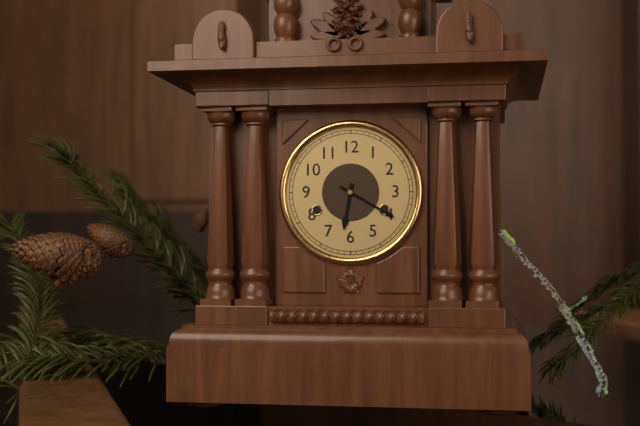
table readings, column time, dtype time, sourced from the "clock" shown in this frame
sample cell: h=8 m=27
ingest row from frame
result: h=6 m=20
